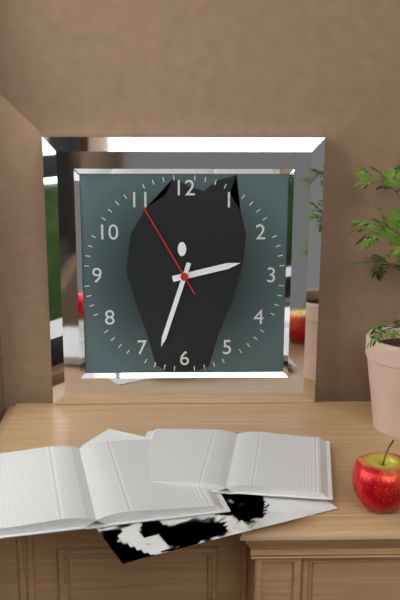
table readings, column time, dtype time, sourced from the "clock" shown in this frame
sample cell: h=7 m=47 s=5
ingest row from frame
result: h=2 m=33 s=55
